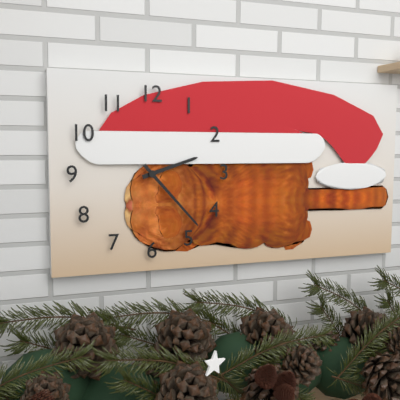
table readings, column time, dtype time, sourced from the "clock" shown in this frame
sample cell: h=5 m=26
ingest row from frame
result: h=2 m=23
